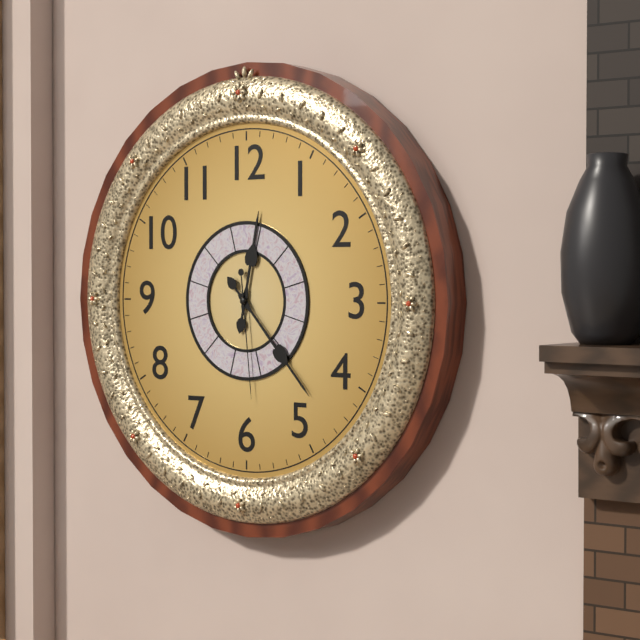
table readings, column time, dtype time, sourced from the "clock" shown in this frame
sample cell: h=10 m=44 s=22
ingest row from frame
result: h=12 m=23 s=29
